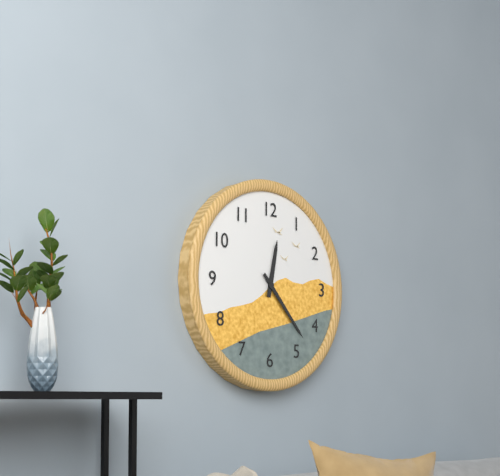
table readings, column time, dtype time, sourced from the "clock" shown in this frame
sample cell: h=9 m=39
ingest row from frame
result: h=12 m=23
